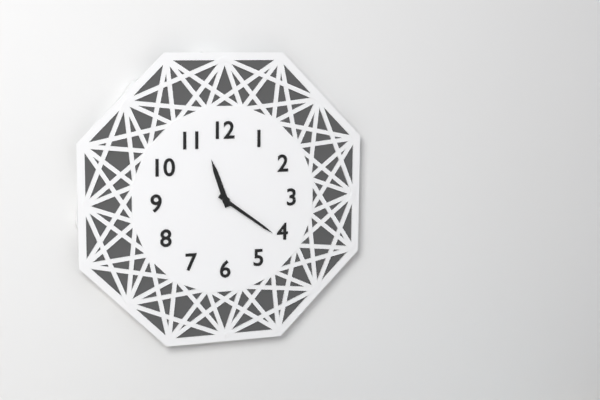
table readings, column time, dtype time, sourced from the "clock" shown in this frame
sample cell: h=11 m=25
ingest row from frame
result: h=11 m=21
